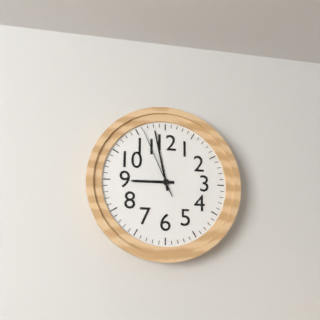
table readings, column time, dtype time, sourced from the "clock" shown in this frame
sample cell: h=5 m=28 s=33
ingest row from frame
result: h=8 m=58 s=56
